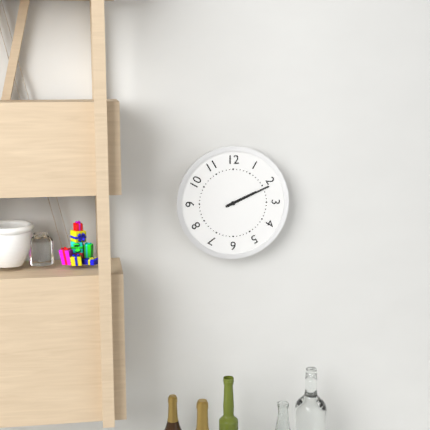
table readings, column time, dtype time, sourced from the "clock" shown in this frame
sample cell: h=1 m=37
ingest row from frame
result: h=2 m=11
